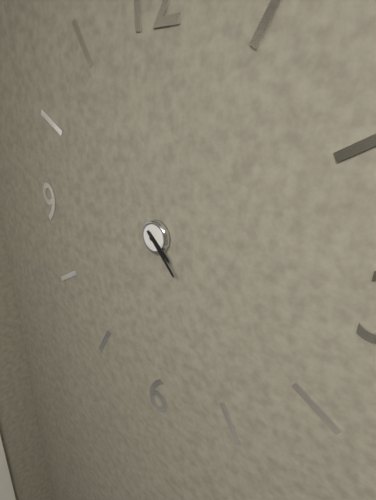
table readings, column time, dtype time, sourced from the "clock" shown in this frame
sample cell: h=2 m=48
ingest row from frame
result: h=4 m=23
